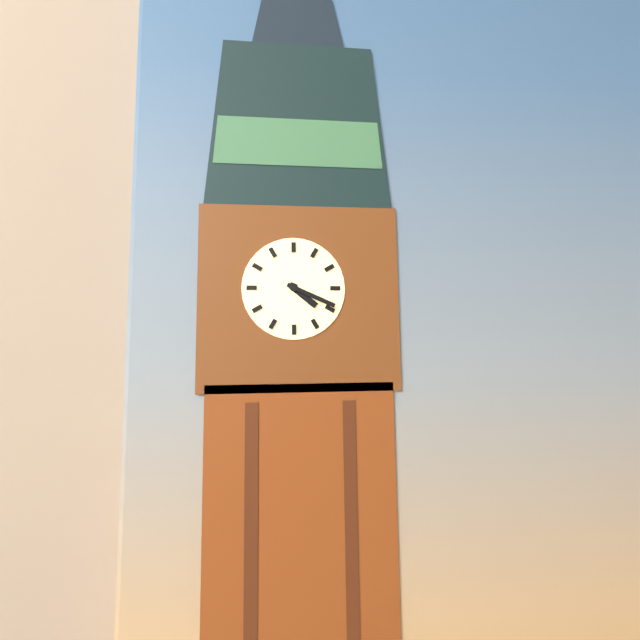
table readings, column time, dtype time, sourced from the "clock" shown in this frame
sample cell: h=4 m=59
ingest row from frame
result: h=4 m=19
